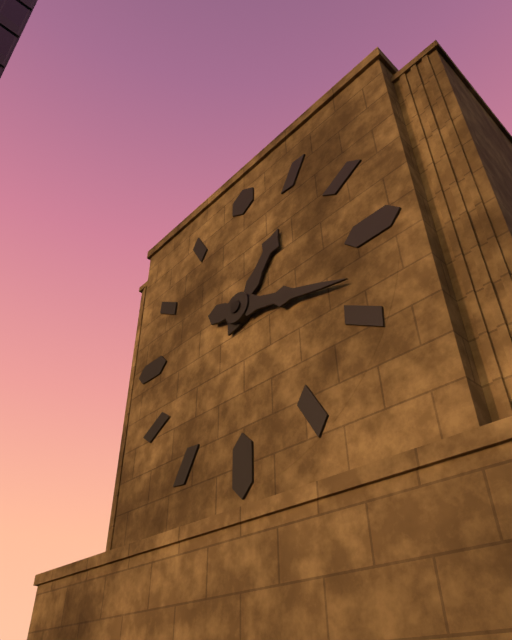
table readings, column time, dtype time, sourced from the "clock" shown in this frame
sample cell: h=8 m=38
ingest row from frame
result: h=1 m=18
